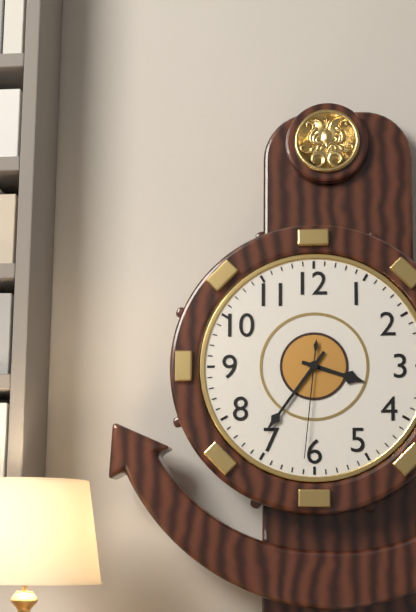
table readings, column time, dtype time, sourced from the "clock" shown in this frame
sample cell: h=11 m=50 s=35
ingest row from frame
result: h=3 m=36 s=31
